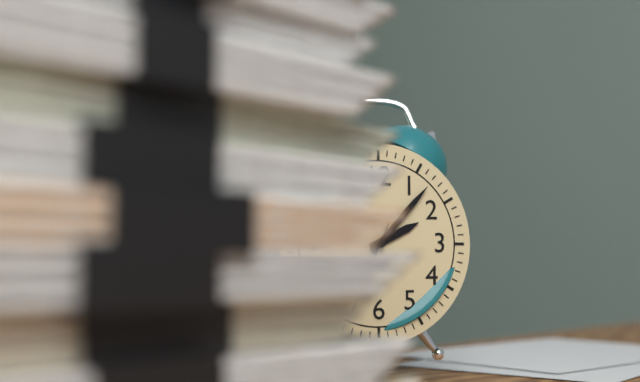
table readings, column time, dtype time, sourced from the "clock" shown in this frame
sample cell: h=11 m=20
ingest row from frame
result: h=2 m=7
